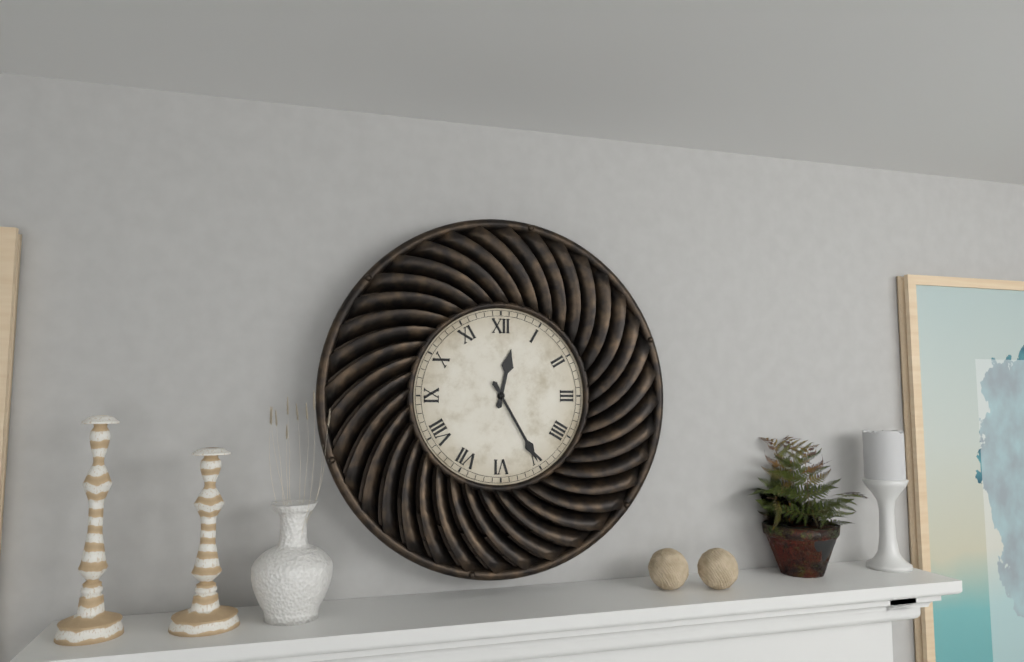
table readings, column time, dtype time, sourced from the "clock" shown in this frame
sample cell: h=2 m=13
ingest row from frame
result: h=12 m=25
